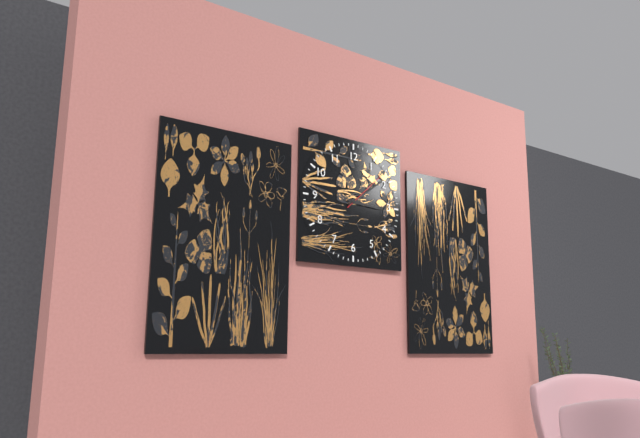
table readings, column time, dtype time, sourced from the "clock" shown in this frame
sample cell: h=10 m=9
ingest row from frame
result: h=3 m=9
